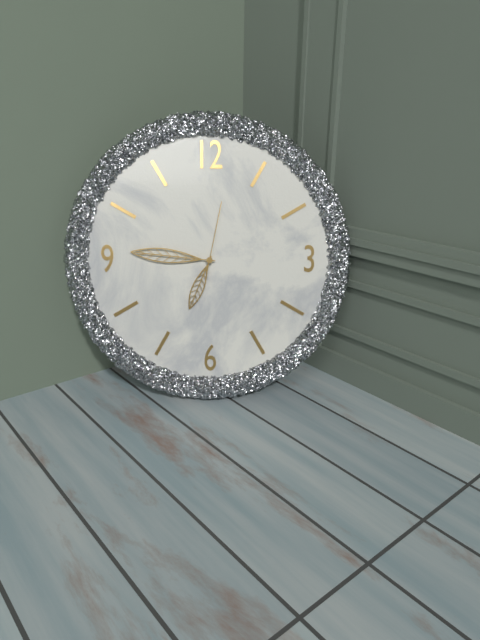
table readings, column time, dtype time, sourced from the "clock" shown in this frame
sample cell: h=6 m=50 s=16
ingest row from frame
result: h=6 m=46 s=2
